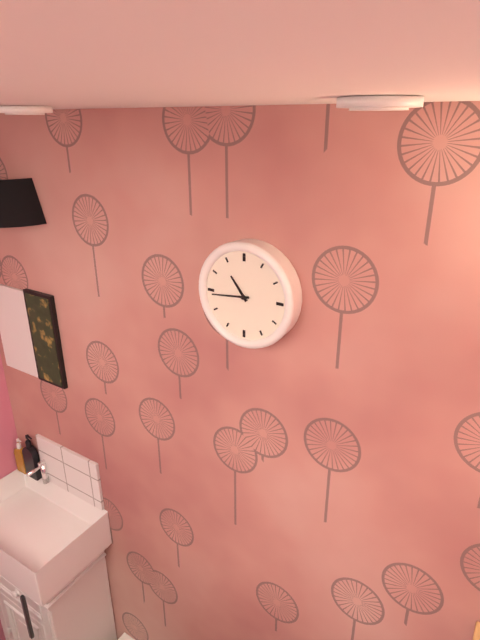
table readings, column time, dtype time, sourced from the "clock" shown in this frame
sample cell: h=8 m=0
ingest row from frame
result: h=10 m=44
